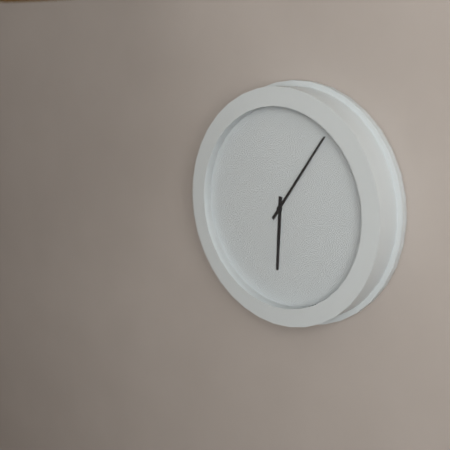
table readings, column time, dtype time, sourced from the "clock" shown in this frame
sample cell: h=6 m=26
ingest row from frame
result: h=6 m=6
